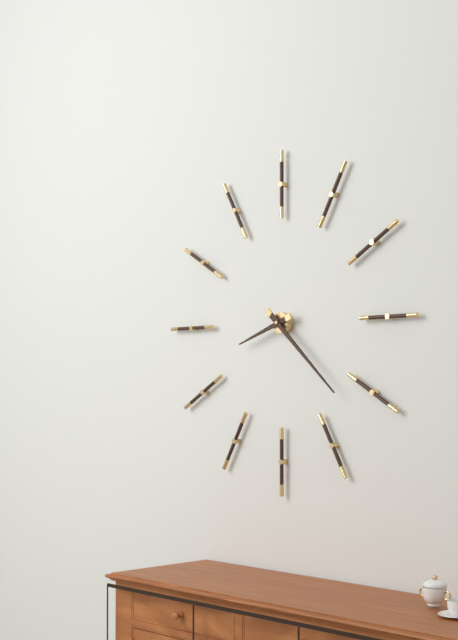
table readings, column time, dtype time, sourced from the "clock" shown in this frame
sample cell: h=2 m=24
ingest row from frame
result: h=8 m=22
